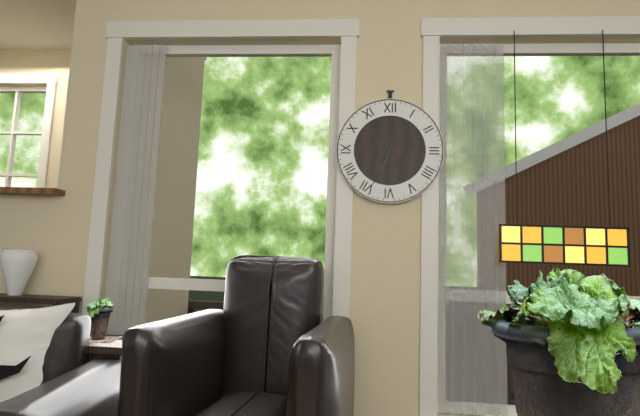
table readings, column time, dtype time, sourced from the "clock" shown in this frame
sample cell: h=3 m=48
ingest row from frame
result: h=6 m=34
